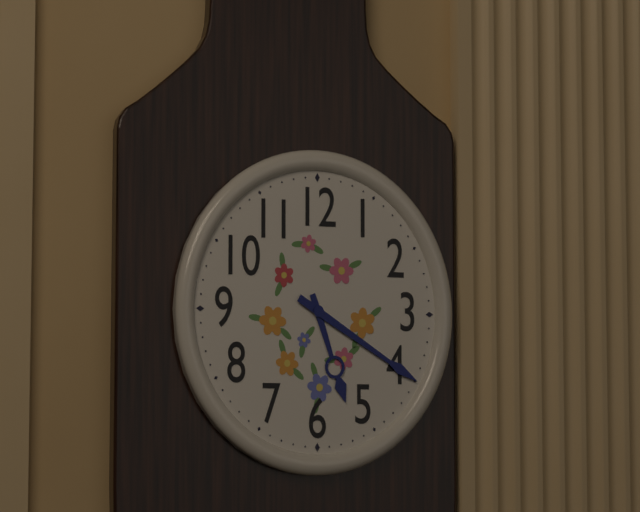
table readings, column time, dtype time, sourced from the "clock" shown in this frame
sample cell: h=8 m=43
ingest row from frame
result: h=5 m=20
